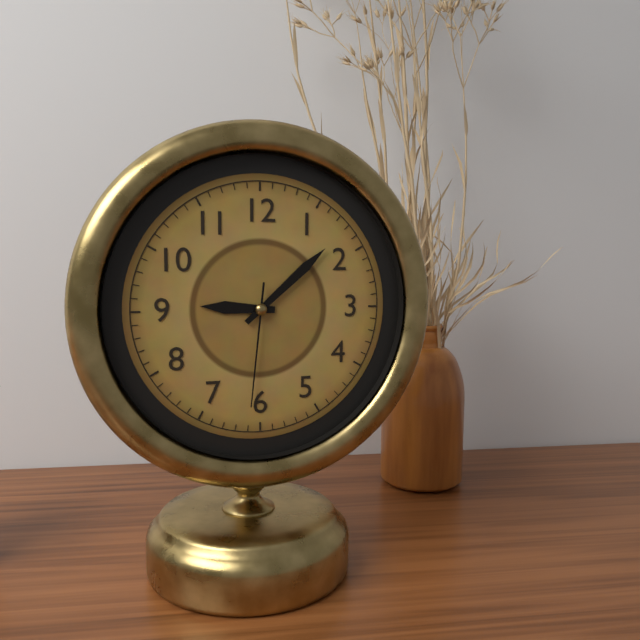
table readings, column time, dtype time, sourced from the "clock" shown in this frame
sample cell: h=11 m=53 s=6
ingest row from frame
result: h=9 m=8 s=31
